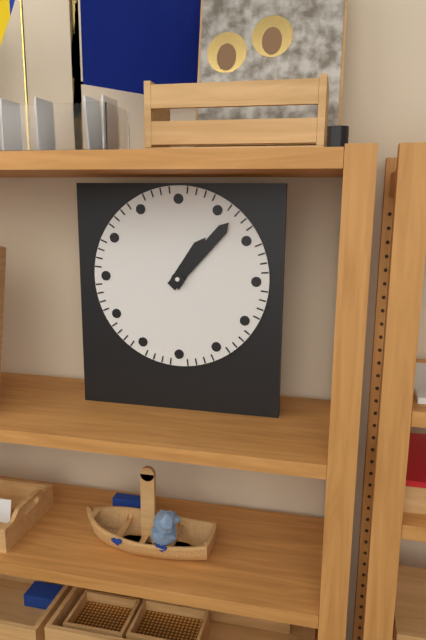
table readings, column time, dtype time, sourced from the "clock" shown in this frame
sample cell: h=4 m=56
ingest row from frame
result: h=1 m=7
